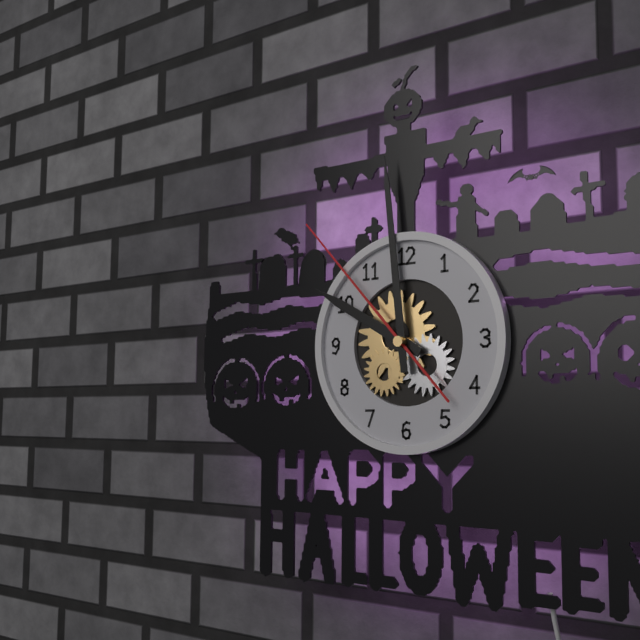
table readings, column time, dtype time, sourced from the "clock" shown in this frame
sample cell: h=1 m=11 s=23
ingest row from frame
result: h=9 m=59 s=53
